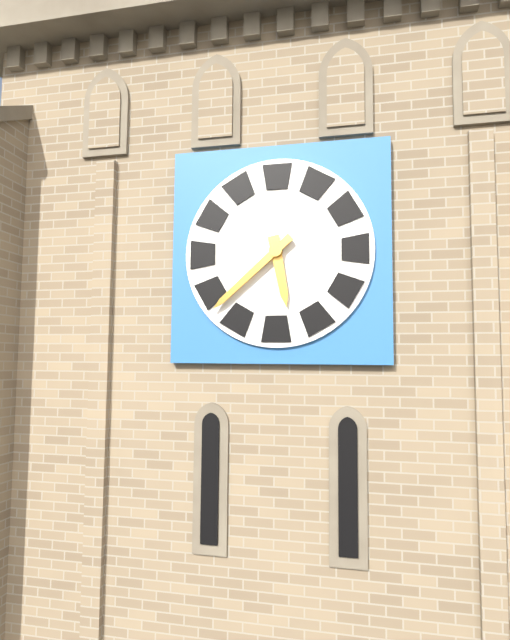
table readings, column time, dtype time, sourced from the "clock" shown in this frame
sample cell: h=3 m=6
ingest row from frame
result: h=5 m=38
